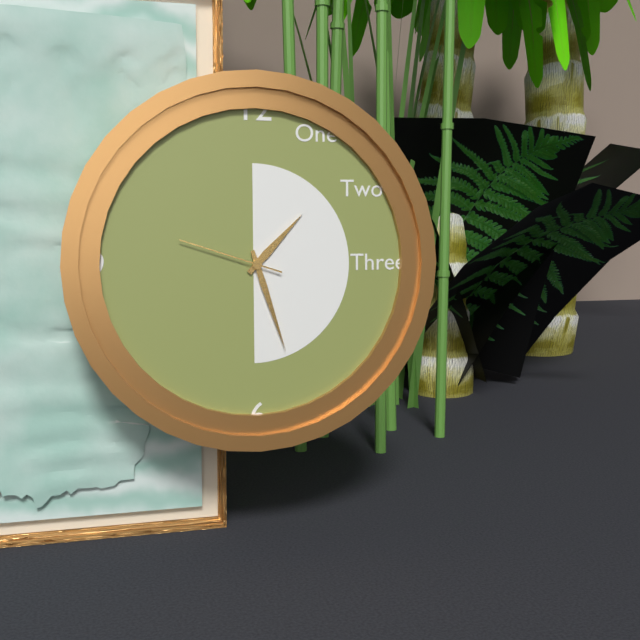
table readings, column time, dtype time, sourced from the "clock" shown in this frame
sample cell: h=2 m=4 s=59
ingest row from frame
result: h=1 m=27 s=48
